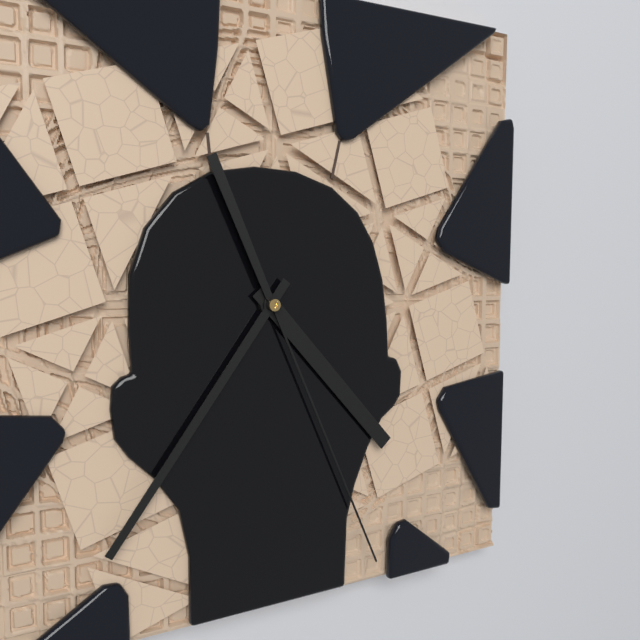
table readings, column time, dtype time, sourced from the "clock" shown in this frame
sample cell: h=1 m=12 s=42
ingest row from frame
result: h=4 m=36 s=26
